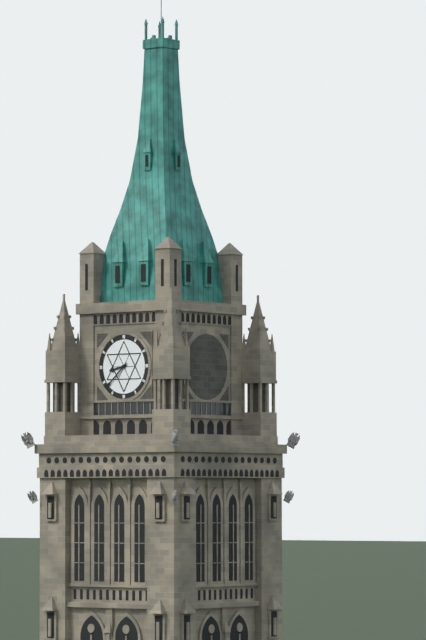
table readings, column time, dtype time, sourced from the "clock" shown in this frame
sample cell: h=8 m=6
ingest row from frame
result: h=8 m=38
